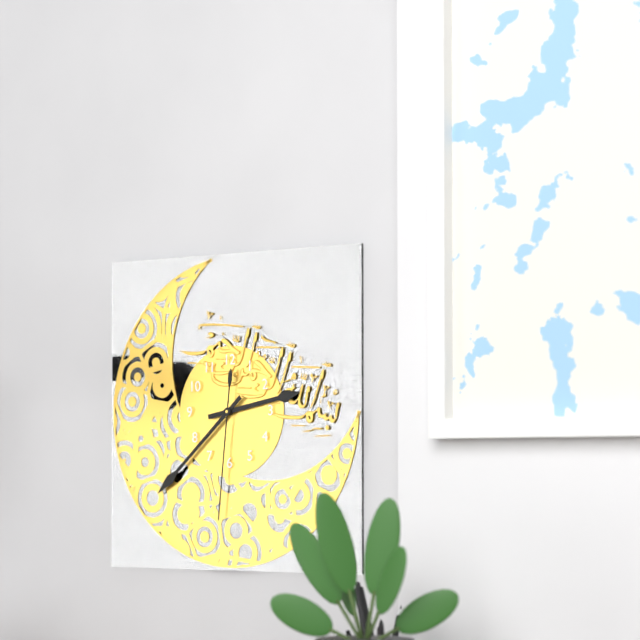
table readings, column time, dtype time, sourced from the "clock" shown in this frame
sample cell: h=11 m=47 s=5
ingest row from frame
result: h=2 m=38 s=31
